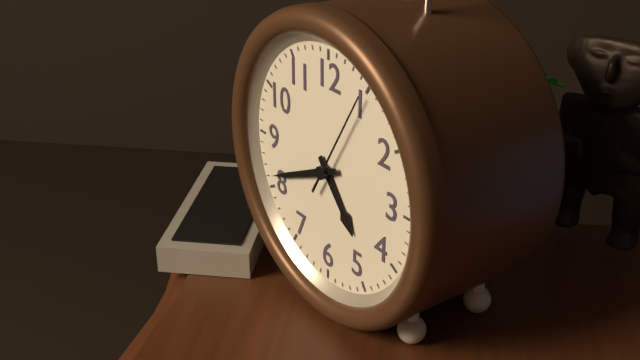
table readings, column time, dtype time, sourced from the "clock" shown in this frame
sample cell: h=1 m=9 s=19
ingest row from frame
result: h=4 m=41 s=5
